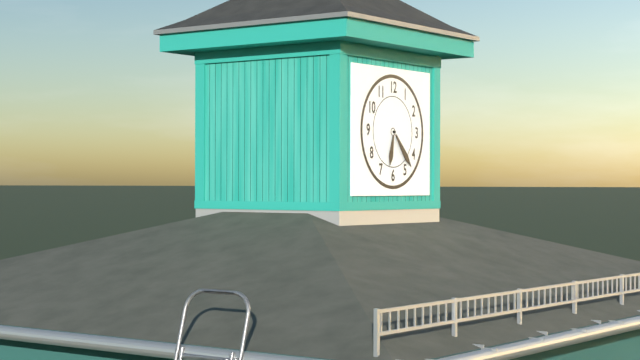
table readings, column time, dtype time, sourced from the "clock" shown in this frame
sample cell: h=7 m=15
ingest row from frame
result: h=6 m=23
